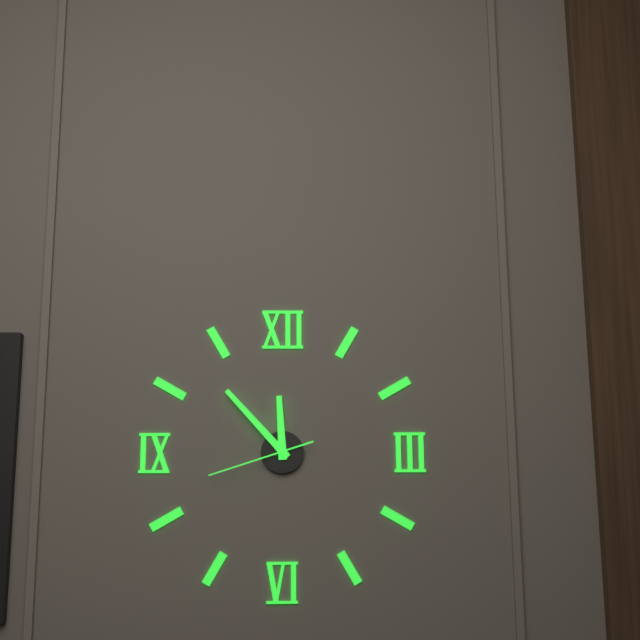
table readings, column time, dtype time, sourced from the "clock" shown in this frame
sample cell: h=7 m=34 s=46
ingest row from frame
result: h=11 m=53 s=42
